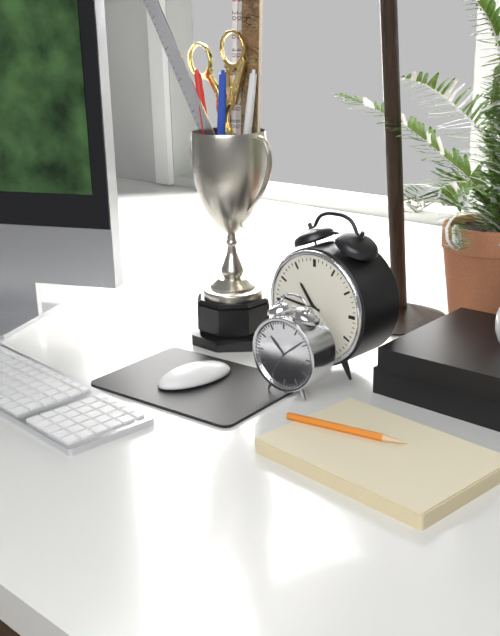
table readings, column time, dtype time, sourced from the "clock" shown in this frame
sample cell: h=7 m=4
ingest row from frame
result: h=10 m=46
